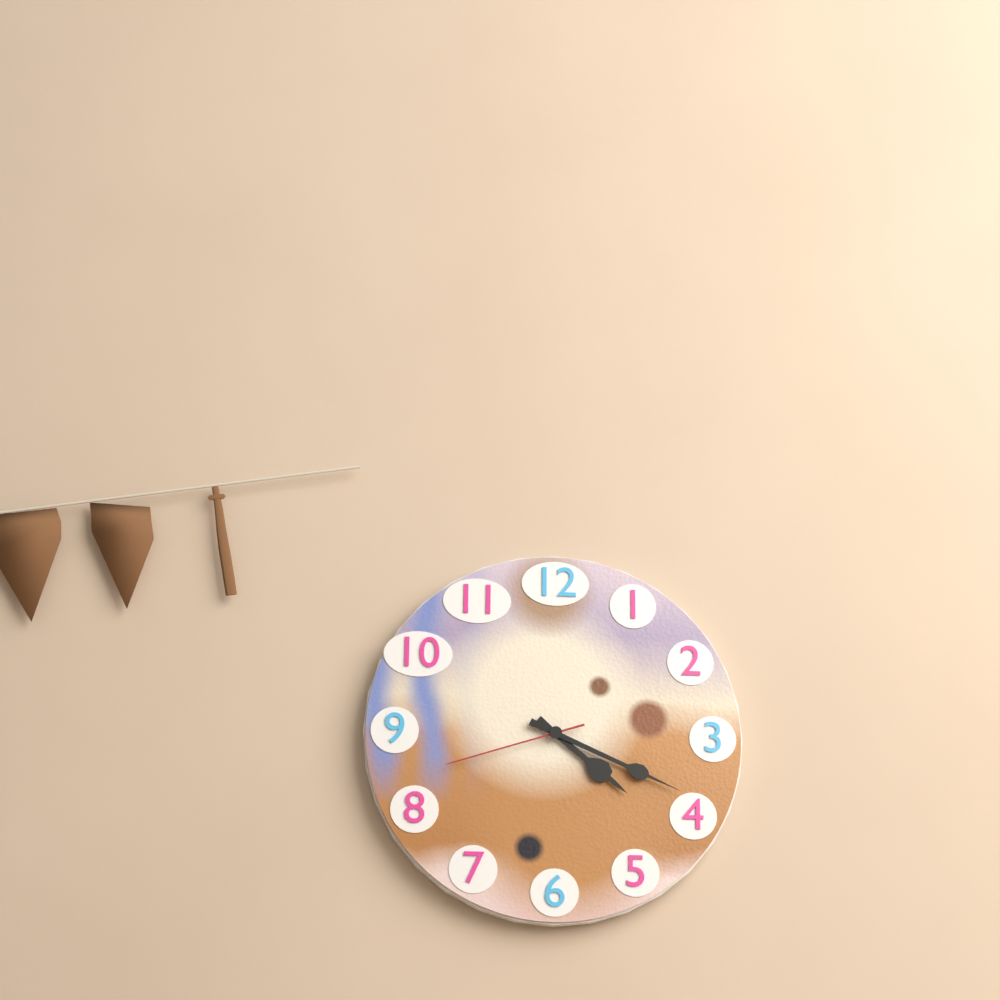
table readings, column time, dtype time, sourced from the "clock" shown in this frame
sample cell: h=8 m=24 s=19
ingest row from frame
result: h=4 m=19 s=42
